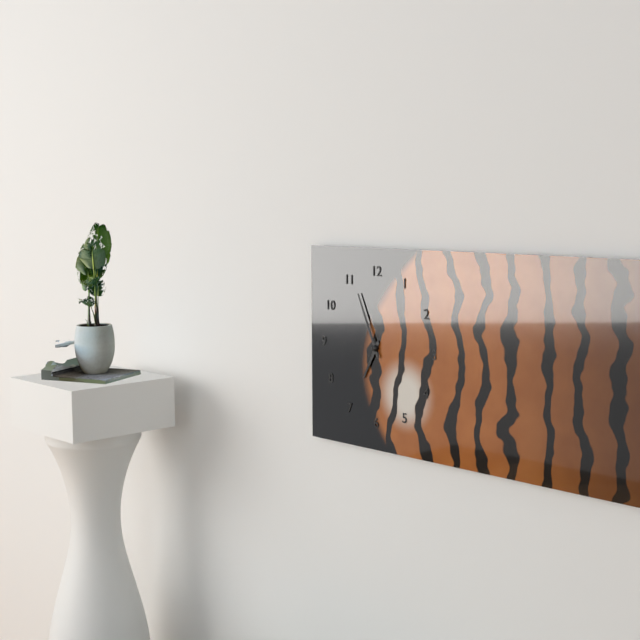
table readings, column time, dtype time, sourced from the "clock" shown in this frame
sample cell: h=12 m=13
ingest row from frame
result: h=6 m=56
